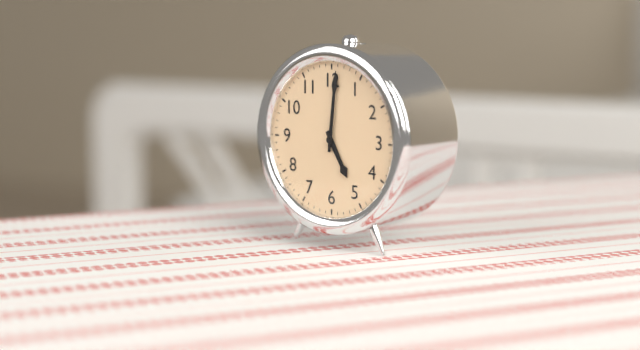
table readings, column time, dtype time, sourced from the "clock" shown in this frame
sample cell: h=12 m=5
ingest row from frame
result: h=5 m=1
